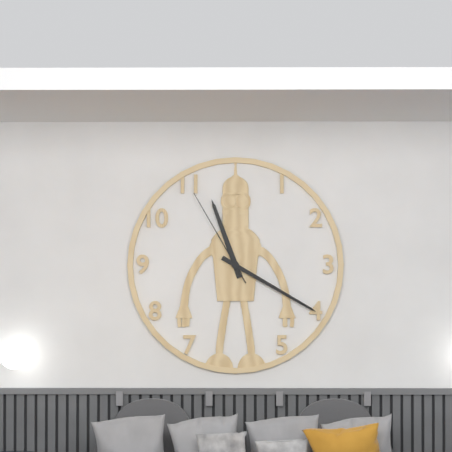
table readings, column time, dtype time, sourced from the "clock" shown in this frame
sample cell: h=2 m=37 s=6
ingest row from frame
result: h=11 m=20 s=55
